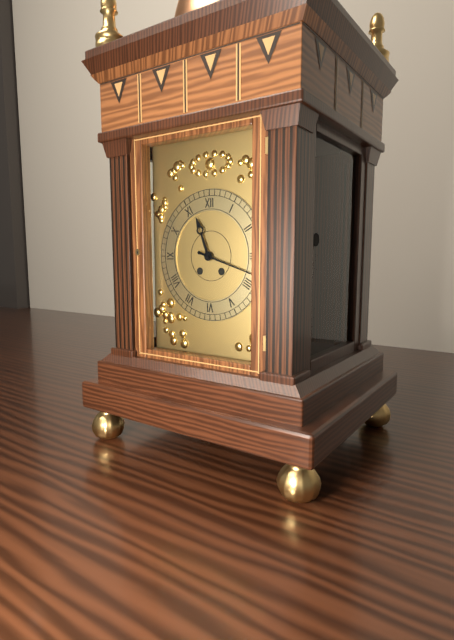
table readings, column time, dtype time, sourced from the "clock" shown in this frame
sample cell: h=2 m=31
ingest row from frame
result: h=11 m=18
